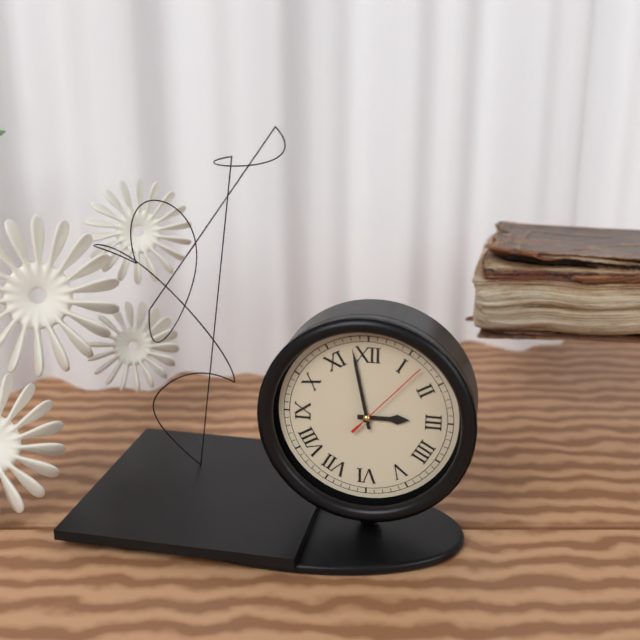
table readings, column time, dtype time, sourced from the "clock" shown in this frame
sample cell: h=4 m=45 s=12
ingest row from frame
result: h=2 m=58 s=7
